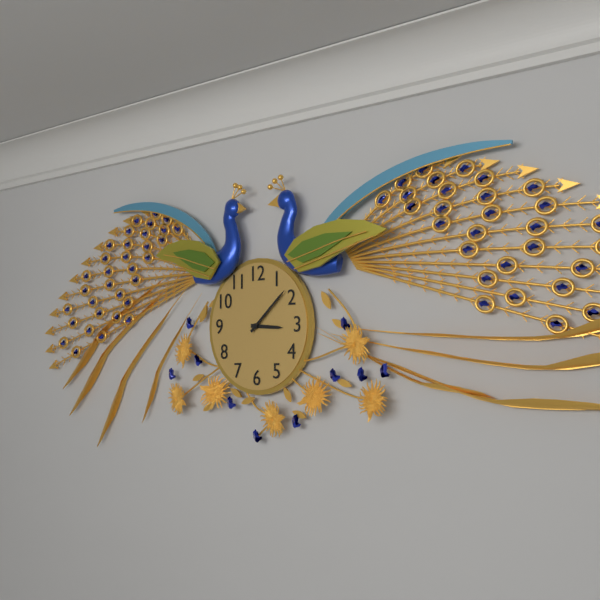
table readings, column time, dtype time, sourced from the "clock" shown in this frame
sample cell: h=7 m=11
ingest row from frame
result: h=3 m=8
